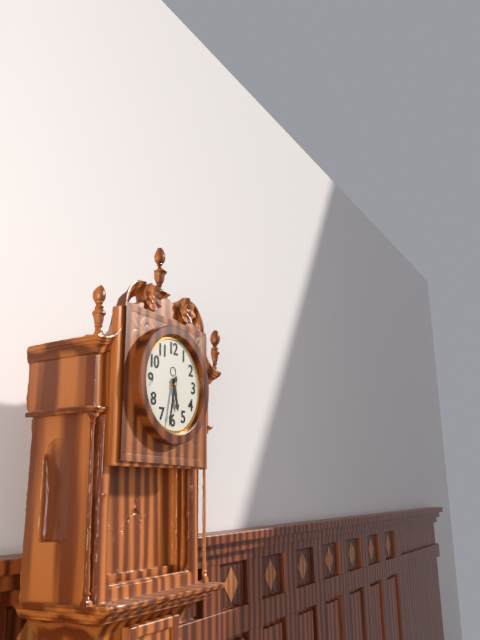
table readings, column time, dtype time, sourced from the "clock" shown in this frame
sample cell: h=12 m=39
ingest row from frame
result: h=5 m=32
